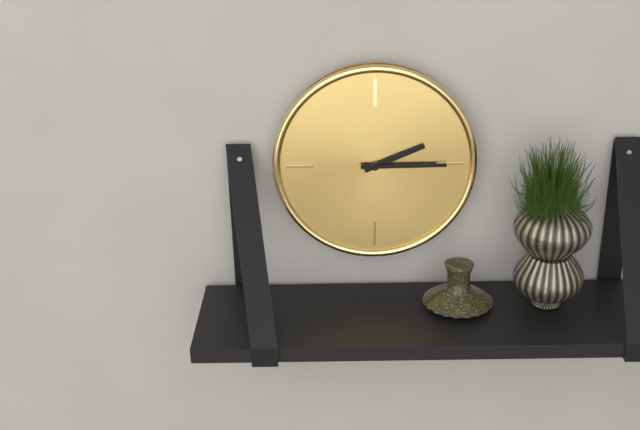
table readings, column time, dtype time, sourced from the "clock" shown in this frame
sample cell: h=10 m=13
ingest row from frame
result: h=2 m=15
